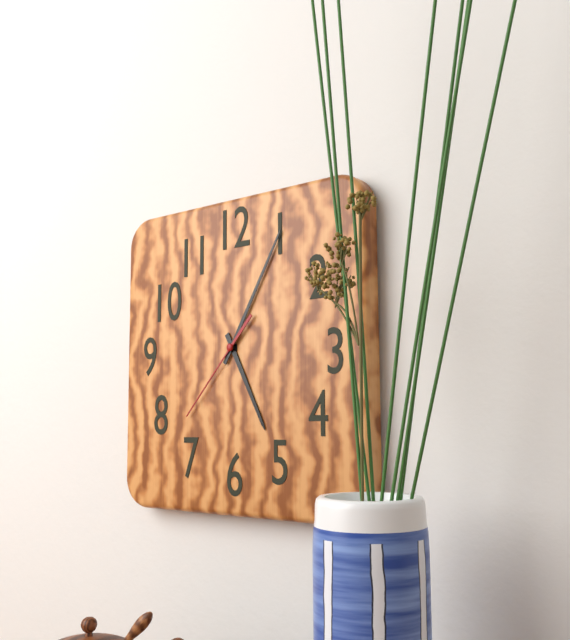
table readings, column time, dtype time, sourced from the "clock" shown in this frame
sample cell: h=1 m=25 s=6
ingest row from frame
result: h=5 m=5 s=37
